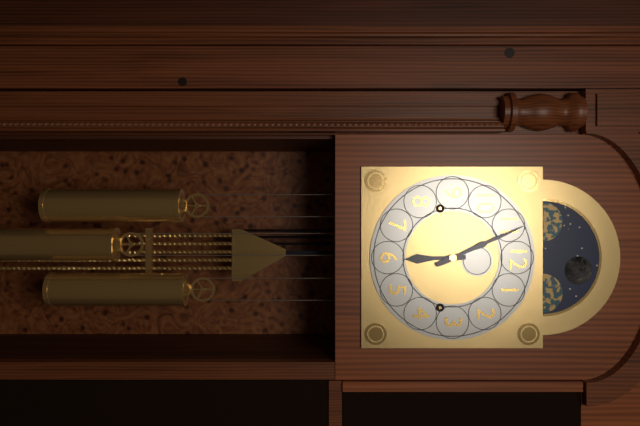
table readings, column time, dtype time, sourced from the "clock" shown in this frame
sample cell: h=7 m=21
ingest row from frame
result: h=5 m=56
